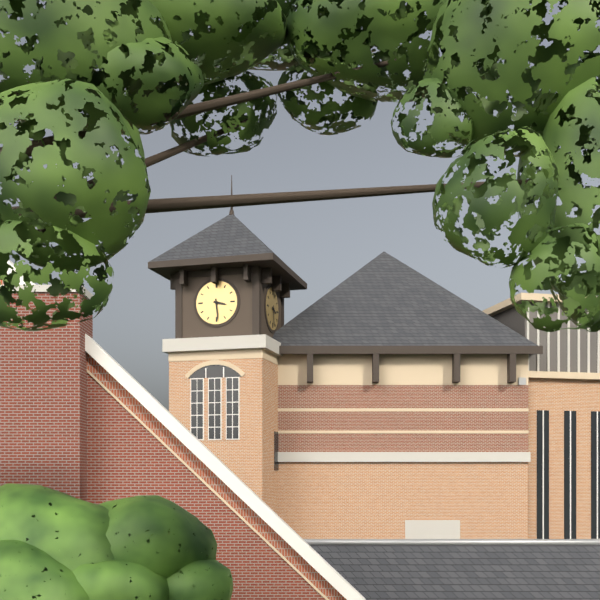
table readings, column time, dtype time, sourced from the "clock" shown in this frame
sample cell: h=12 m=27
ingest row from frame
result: h=3 m=29
